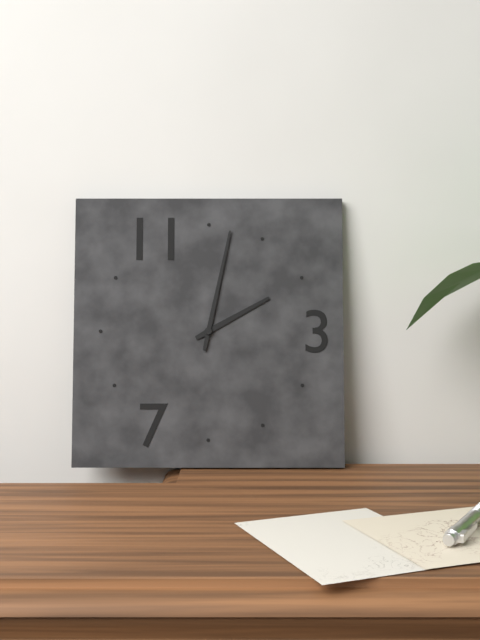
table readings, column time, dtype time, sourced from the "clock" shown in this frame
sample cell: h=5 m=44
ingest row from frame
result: h=2 m=2
